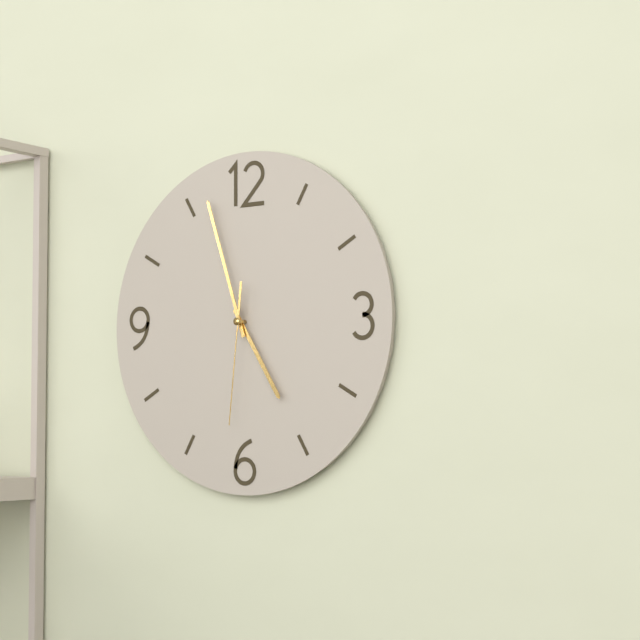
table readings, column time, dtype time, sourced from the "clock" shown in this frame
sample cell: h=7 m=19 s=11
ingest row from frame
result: h=4 m=57 s=31
